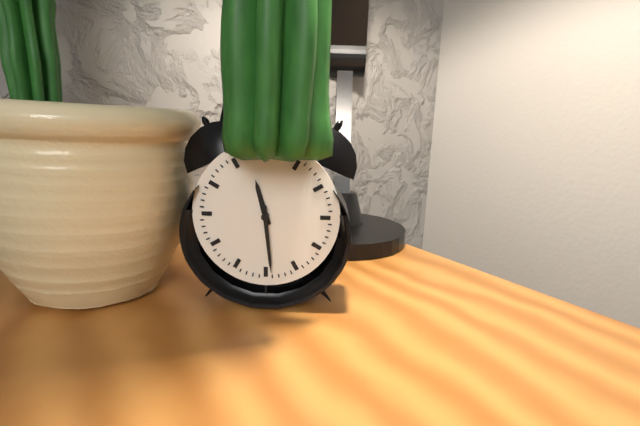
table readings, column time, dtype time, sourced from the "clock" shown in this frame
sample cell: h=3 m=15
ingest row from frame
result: h=11 m=29
